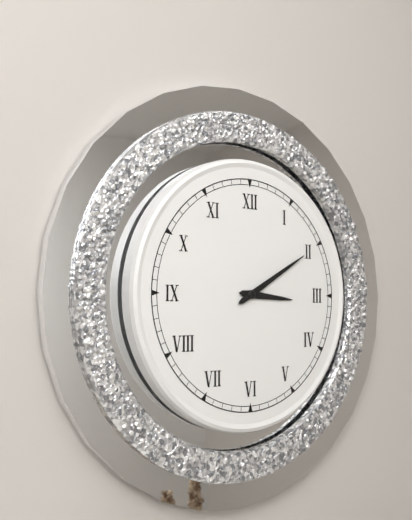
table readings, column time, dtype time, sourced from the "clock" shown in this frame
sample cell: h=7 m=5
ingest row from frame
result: h=3 m=10
